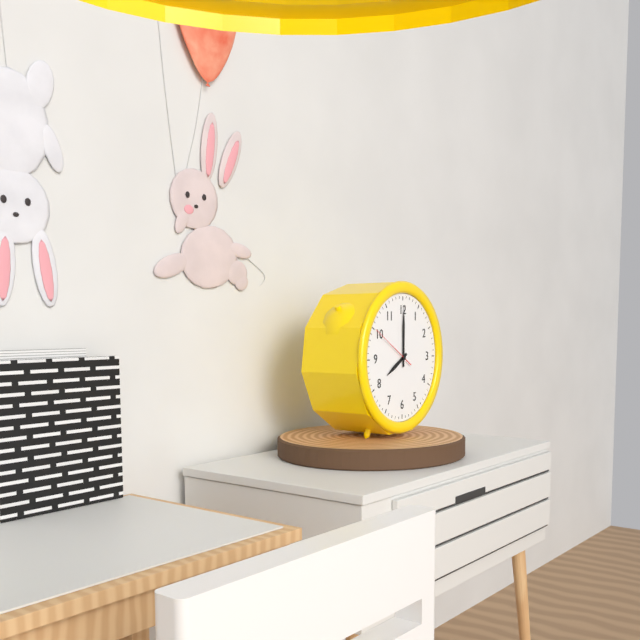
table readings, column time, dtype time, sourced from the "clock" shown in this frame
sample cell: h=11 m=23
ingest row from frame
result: h=8 m=0
